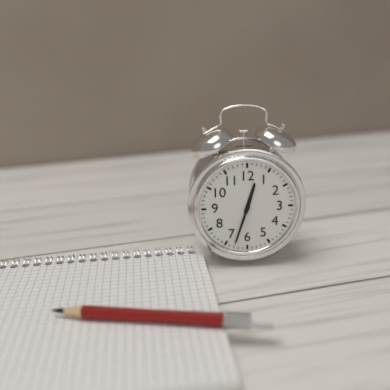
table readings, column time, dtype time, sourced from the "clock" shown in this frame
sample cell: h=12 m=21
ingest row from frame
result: h=12 m=33
